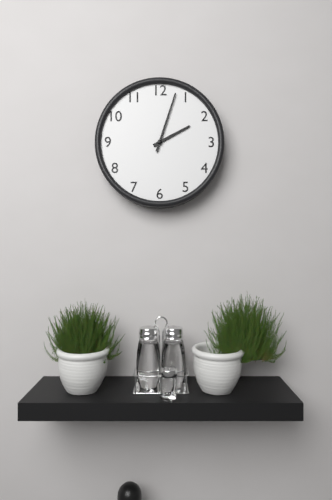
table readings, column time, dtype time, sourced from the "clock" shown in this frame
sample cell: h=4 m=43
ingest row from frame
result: h=2 m=3
